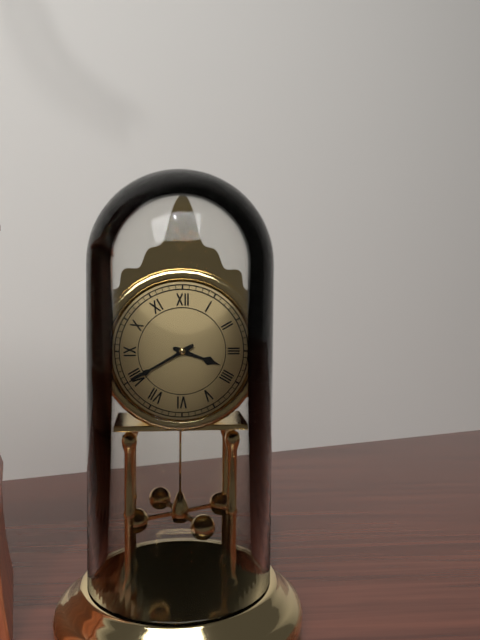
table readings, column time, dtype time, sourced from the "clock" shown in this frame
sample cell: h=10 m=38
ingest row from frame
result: h=3 m=40
